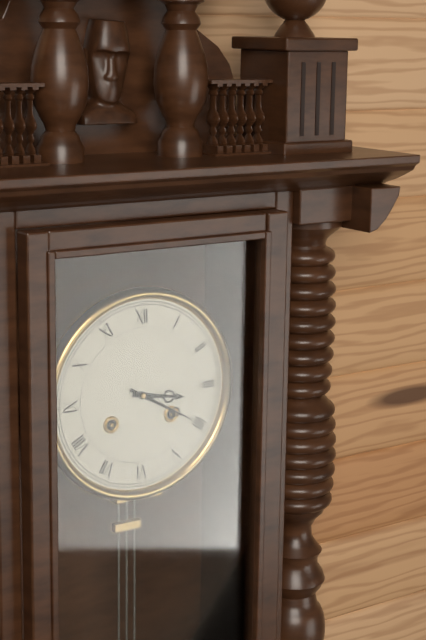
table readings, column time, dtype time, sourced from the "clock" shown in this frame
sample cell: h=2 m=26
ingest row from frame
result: h=3 m=20
